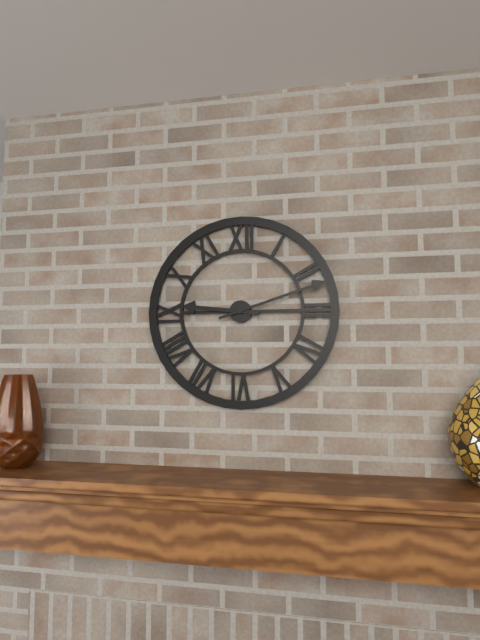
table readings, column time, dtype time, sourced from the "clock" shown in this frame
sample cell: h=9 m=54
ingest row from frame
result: h=9 m=12
